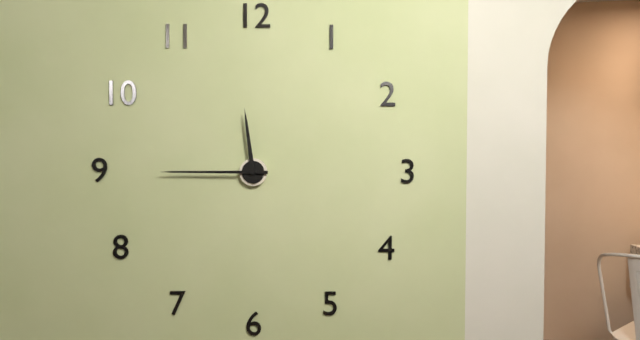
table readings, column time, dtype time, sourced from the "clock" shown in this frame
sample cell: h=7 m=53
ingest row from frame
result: h=11 m=45
